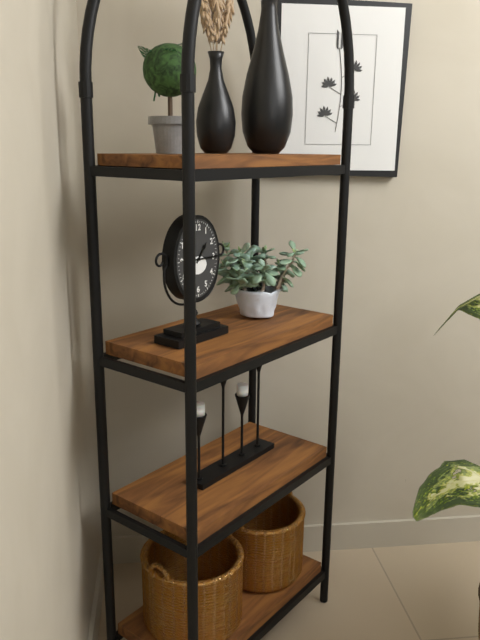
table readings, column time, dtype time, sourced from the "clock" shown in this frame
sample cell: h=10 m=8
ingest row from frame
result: h=1 m=15
